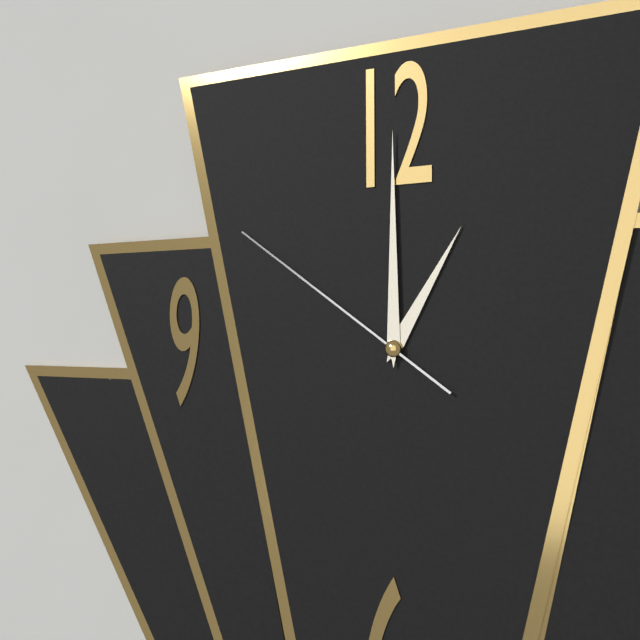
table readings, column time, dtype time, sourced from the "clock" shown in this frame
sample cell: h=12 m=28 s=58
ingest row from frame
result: h=1 m=0 s=51
